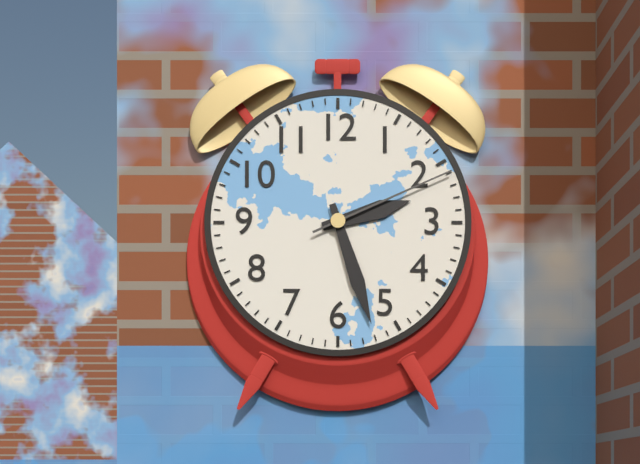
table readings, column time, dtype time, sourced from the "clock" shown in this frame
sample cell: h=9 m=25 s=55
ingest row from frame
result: h=2 m=27 s=11
